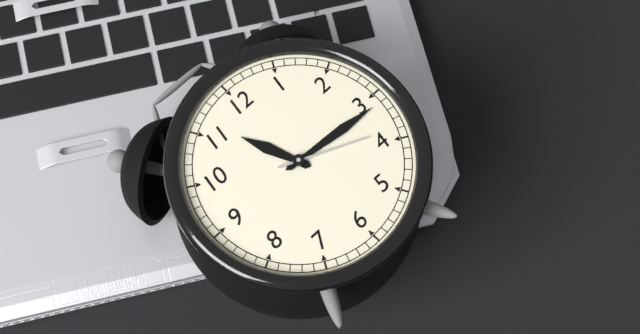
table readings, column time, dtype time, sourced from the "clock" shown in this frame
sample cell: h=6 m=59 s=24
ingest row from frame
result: h=11 m=16 s=19
